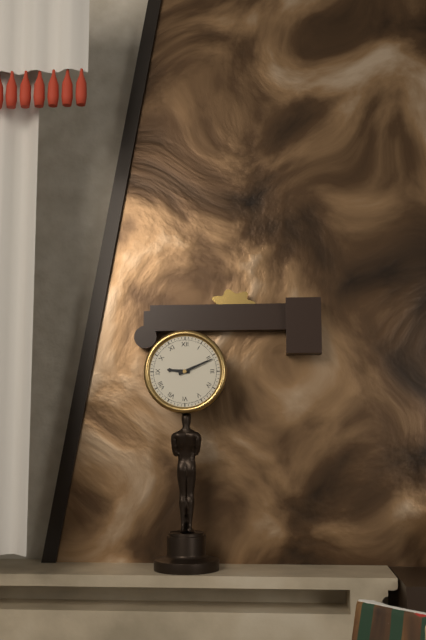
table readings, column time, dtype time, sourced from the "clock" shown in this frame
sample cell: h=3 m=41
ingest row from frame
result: h=9 m=11
